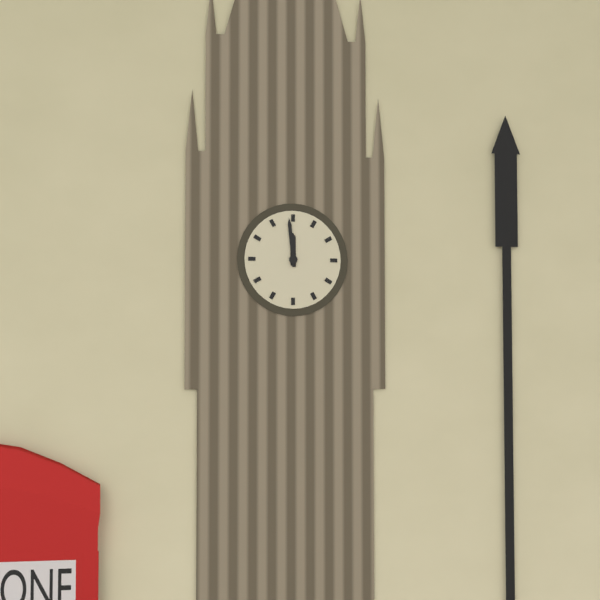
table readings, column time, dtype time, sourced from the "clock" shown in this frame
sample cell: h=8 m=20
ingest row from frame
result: h=11 m=59
